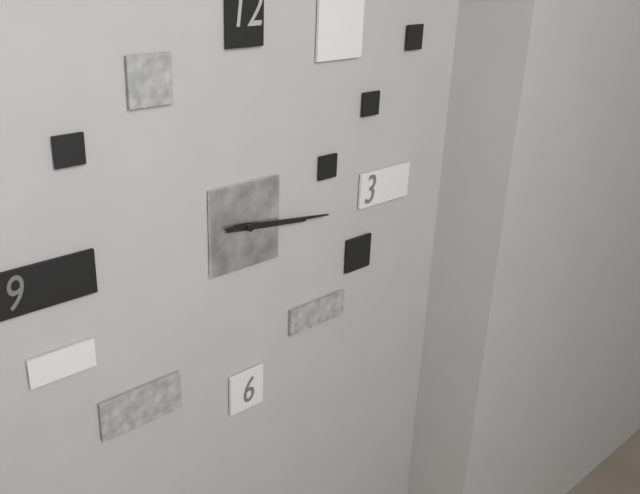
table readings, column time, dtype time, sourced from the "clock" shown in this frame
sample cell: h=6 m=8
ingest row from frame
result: h=3 m=16
